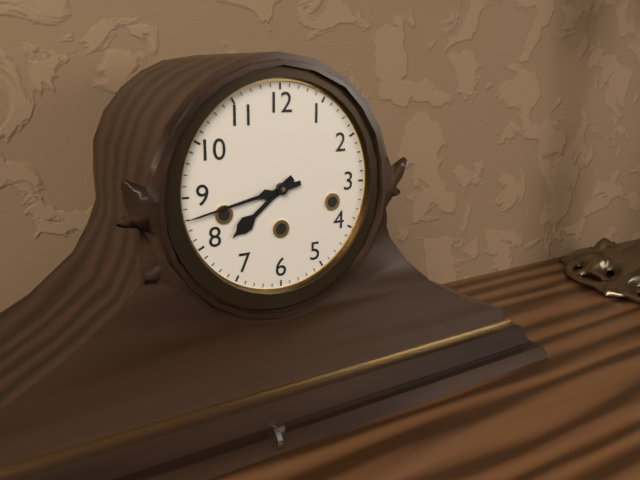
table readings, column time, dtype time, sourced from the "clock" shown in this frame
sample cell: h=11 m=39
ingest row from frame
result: h=7 m=43
